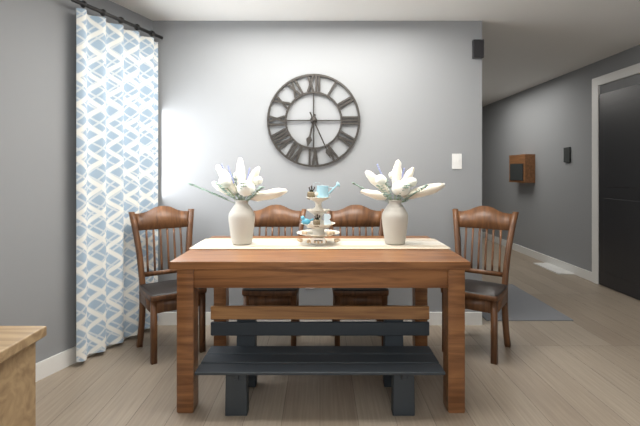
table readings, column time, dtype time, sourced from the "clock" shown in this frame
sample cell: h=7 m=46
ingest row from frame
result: h=6 m=26
